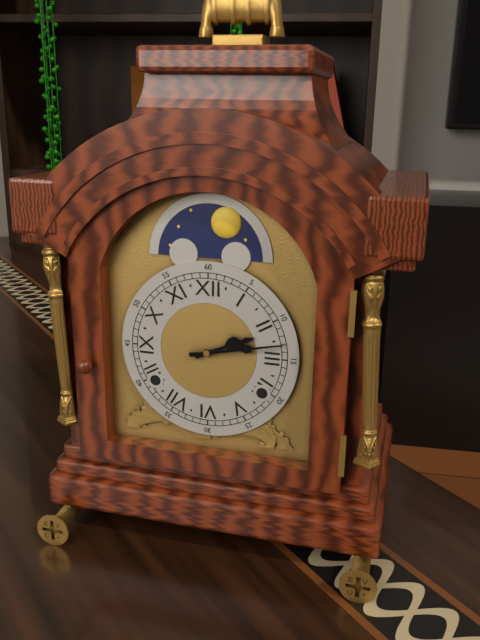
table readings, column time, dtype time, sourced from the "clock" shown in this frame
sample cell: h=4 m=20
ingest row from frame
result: h=2 m=13
